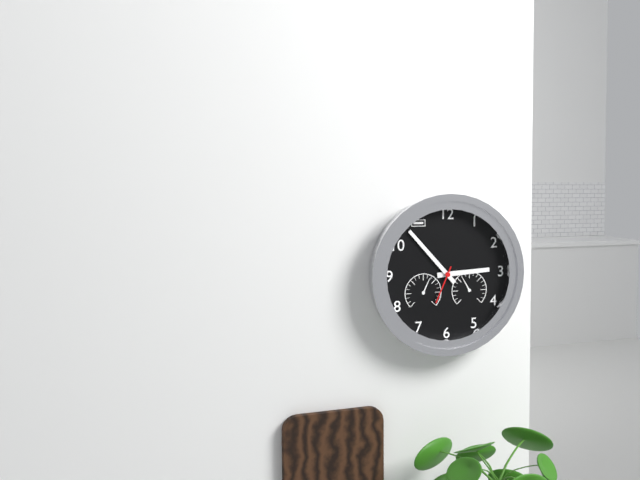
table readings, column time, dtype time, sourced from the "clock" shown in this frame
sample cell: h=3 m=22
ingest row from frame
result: h=2 m=53
